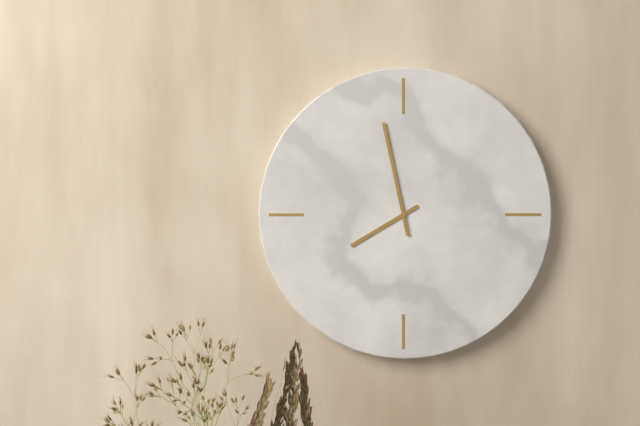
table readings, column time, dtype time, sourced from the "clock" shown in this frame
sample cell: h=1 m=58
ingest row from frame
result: h=7 m=58
